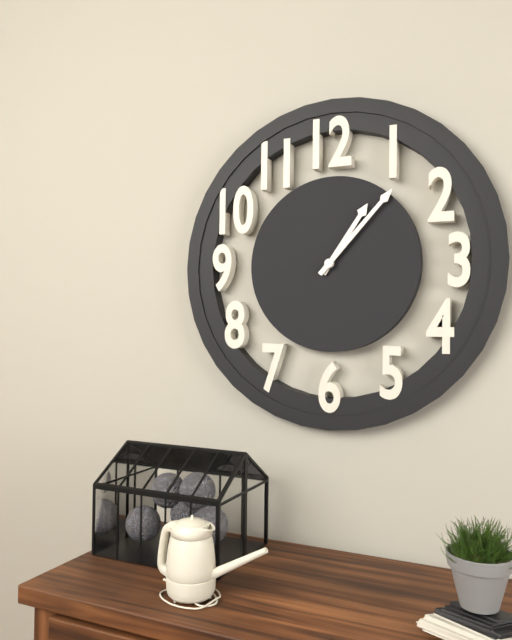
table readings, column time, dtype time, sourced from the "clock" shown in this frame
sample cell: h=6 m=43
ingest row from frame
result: h=1 m=7
